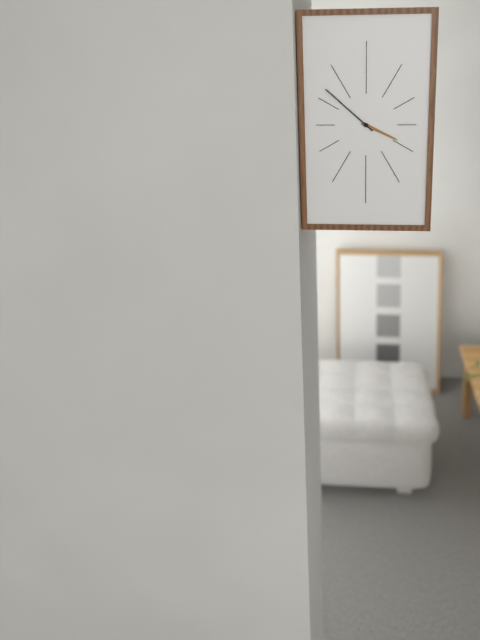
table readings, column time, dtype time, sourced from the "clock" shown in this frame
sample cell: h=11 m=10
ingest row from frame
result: h=3 m=52
